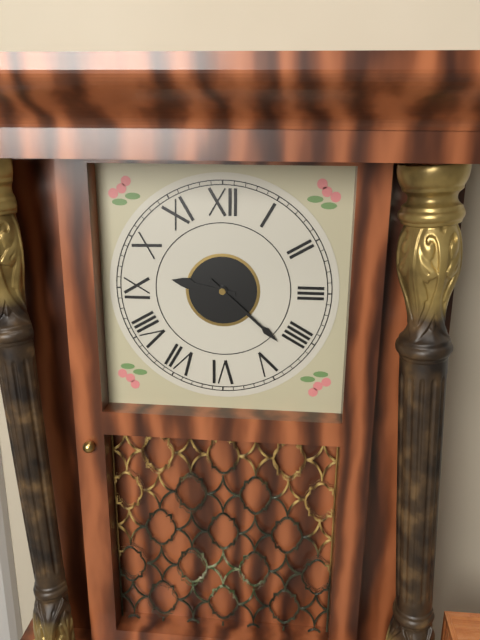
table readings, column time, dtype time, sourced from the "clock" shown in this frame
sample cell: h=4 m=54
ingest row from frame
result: h=9 m=22
